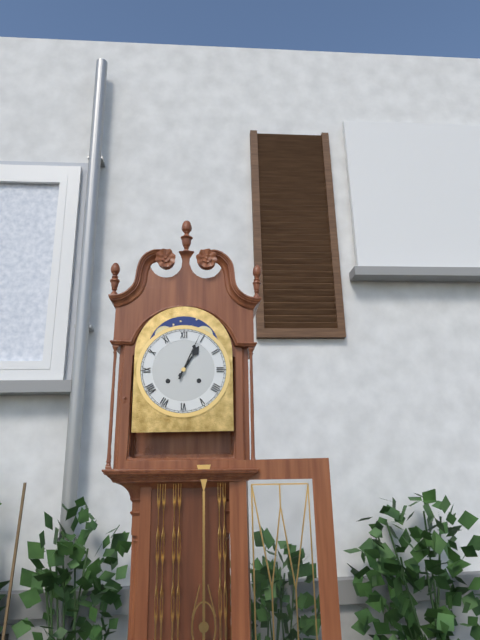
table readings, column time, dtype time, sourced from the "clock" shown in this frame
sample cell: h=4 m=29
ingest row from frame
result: h=1 m=4
